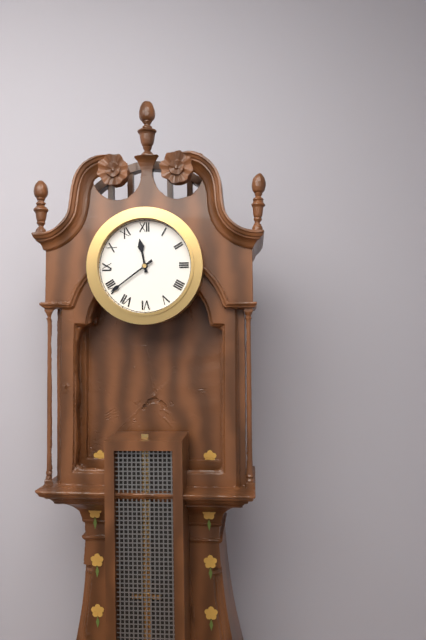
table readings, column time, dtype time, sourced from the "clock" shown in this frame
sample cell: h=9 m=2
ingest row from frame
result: h=11 m=39
